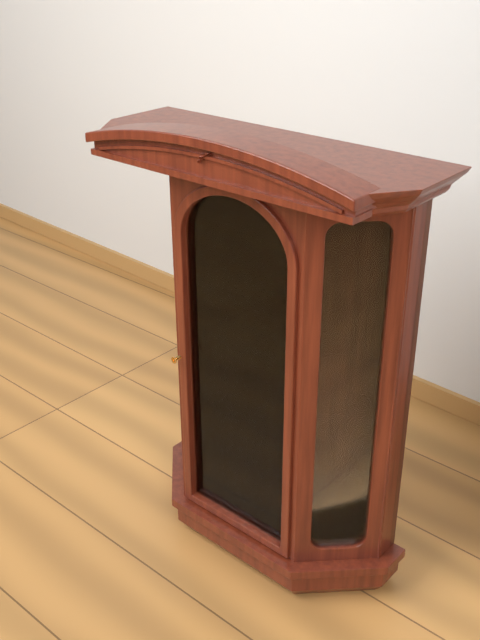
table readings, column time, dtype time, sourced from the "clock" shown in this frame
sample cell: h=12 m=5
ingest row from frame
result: h=1 m=42
